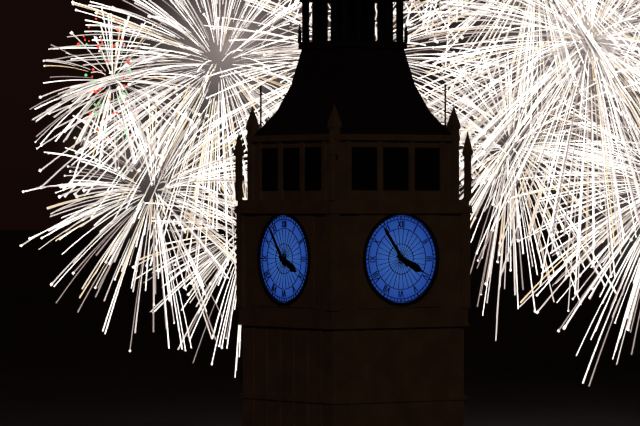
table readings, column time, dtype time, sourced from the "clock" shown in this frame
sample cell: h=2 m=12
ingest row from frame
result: h=3 m=54
